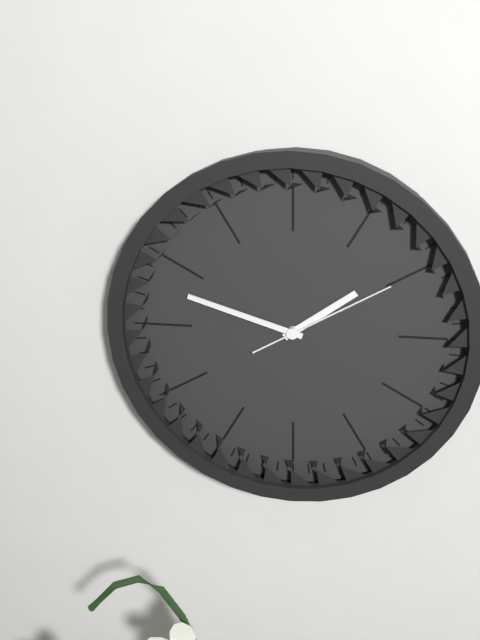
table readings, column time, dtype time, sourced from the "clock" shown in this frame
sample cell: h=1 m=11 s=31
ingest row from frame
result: h=1 m=48 s=10
